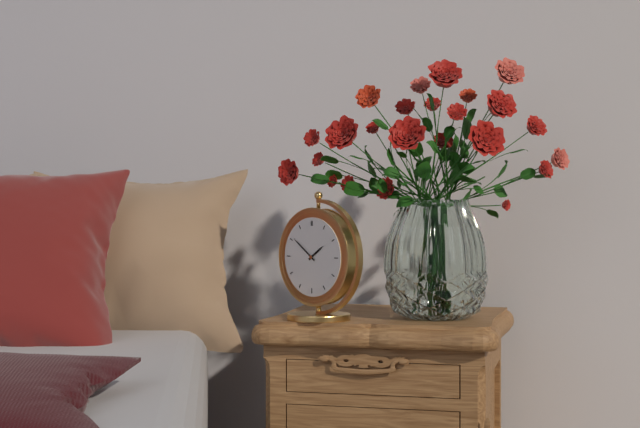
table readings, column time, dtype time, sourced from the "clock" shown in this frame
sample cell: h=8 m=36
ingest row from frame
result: h=1 m=51
